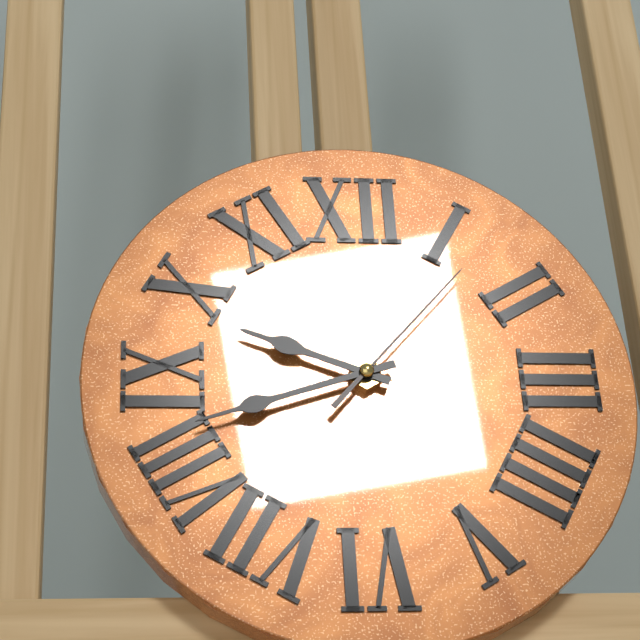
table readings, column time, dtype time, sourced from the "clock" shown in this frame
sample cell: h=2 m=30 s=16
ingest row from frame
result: h=9 m=42 s=7
